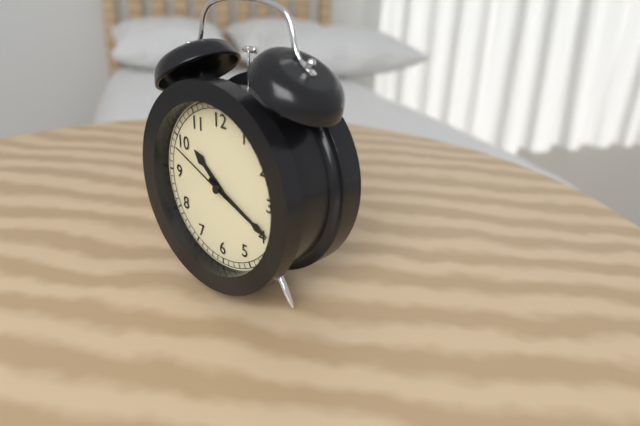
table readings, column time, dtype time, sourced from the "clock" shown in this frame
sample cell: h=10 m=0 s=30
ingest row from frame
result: h=10 m=19 s=49
